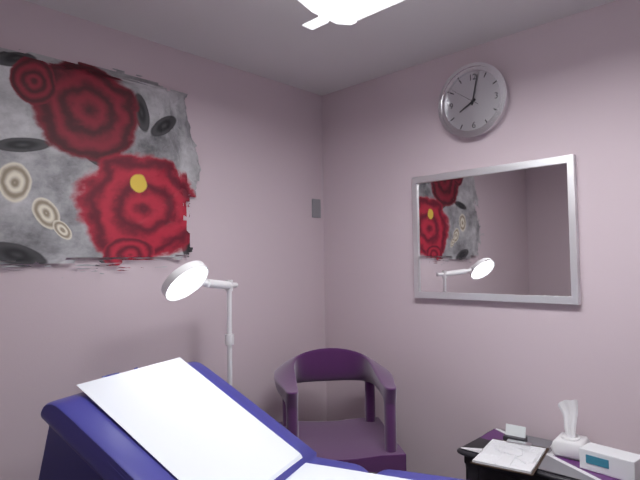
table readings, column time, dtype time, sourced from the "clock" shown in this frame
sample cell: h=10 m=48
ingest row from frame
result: h=8 m=2
